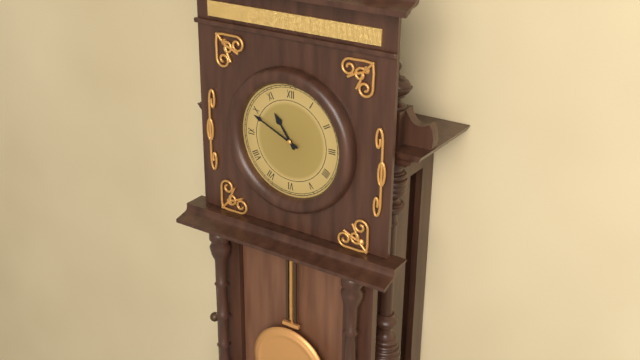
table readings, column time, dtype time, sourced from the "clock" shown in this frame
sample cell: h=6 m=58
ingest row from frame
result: h=10 m=49
